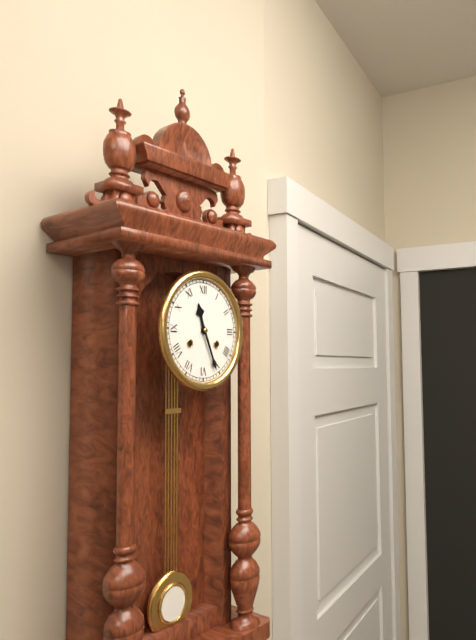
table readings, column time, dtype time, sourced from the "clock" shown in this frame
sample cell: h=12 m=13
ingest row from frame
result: h=11 m=26
